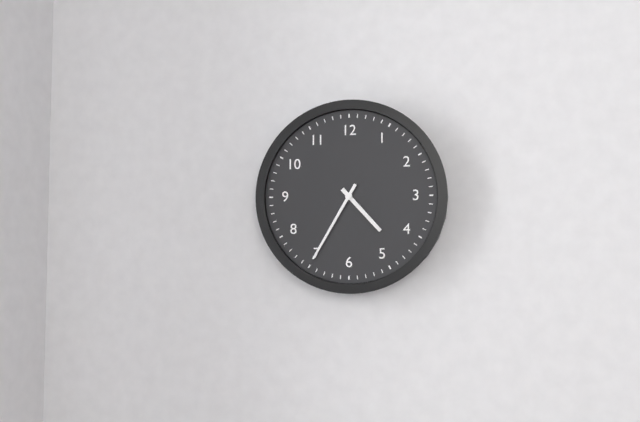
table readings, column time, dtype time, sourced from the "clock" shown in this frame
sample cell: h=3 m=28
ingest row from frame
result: h=4 m=35
